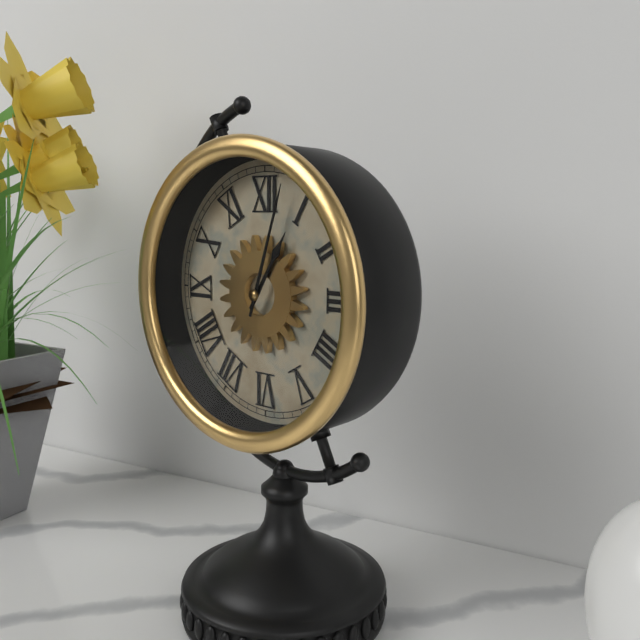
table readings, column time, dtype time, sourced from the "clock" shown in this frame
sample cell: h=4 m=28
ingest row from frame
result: h=1 m=3
